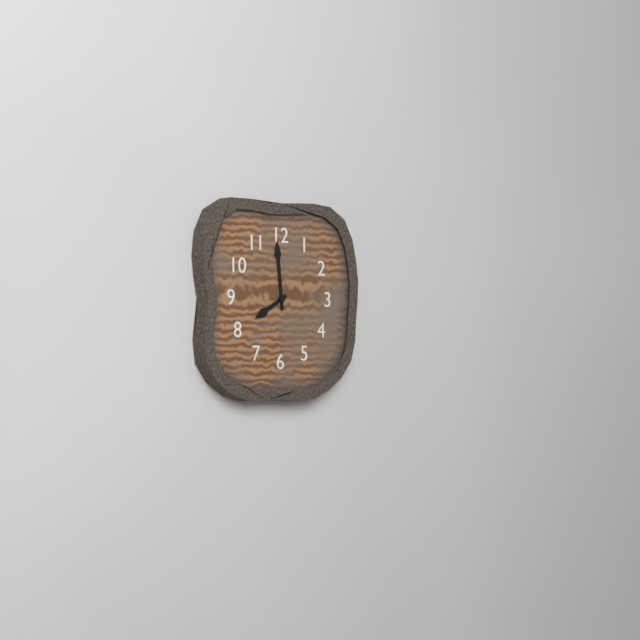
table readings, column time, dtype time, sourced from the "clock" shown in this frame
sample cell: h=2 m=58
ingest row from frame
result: h=7 m=59
